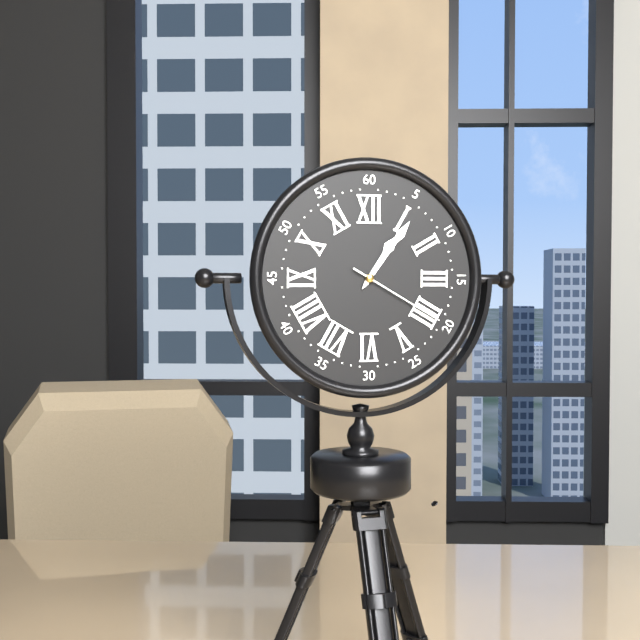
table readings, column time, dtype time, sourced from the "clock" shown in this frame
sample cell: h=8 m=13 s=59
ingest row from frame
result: h=1 m=6 s=20
